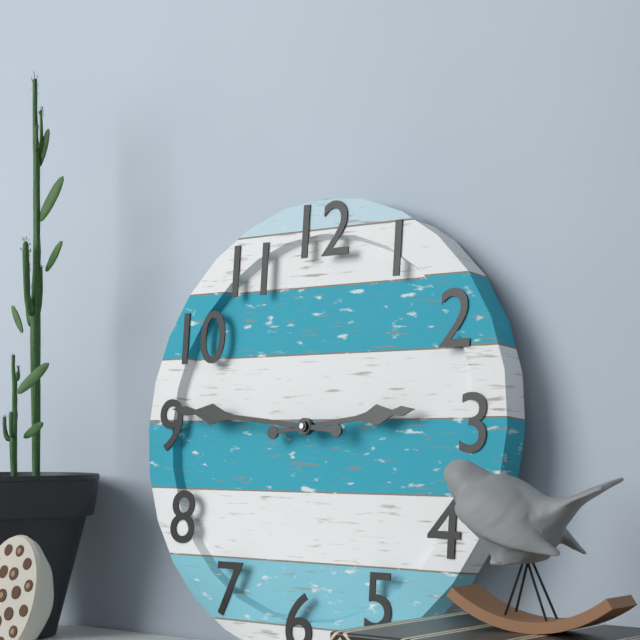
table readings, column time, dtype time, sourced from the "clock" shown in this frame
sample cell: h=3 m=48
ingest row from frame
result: h=2 m=46
